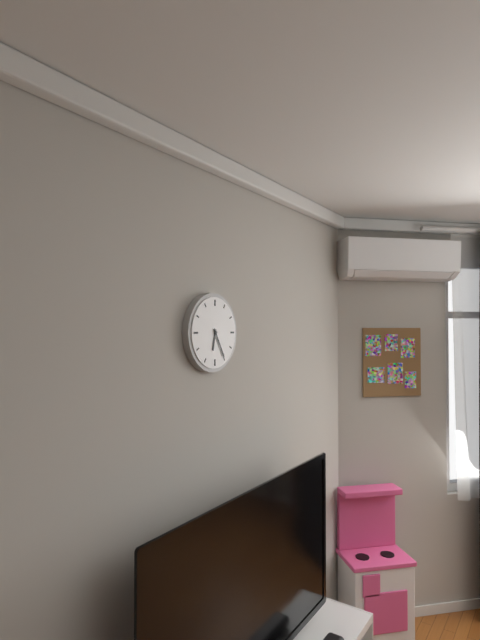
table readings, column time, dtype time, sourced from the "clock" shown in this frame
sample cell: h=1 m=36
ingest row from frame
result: h=6 m=25
